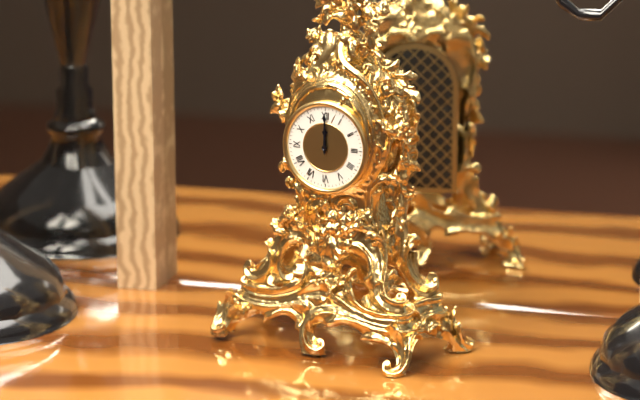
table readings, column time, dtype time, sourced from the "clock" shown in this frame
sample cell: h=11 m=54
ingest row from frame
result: h=12 m=0
